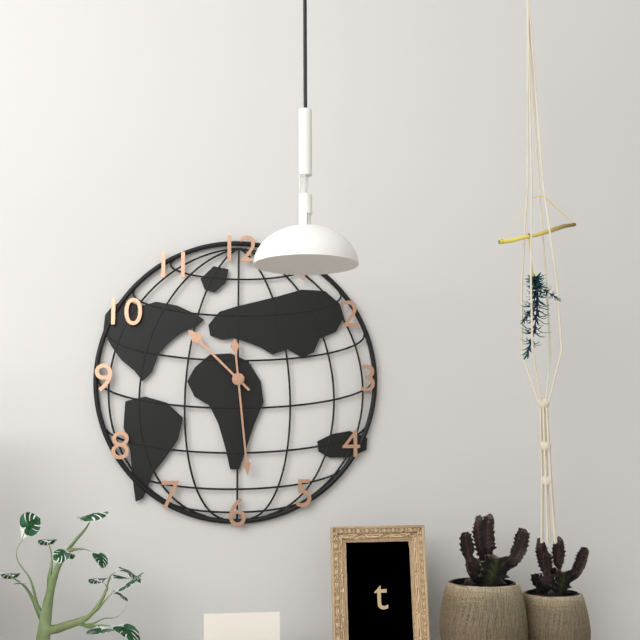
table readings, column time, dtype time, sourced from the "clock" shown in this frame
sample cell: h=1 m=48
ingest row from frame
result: h=10 m=29
